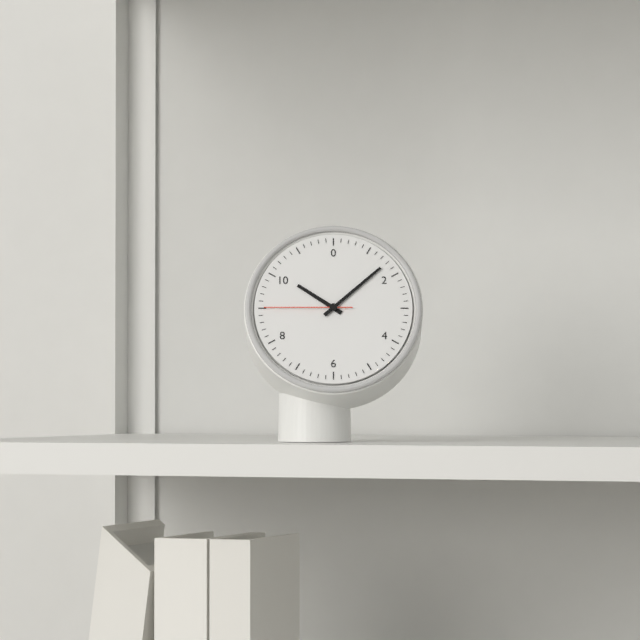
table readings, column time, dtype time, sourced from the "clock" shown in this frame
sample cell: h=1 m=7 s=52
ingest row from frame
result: h=10 m=8 s=45
